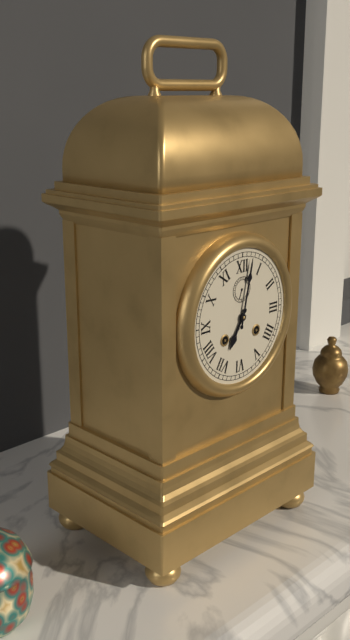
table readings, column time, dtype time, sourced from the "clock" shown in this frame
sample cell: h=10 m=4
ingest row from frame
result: h=7 m=2
